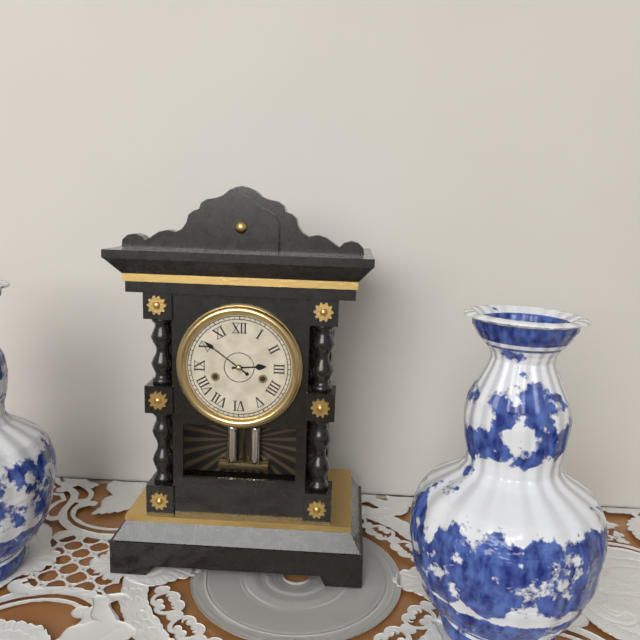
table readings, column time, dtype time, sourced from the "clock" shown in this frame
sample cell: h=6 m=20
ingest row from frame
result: h=2 m=51
